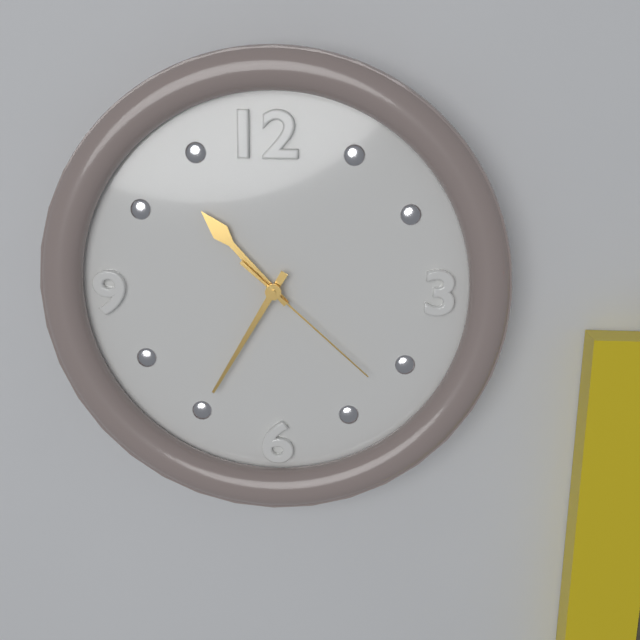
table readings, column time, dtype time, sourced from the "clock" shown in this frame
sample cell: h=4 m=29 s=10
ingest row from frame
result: h=10 m=35 s=22
